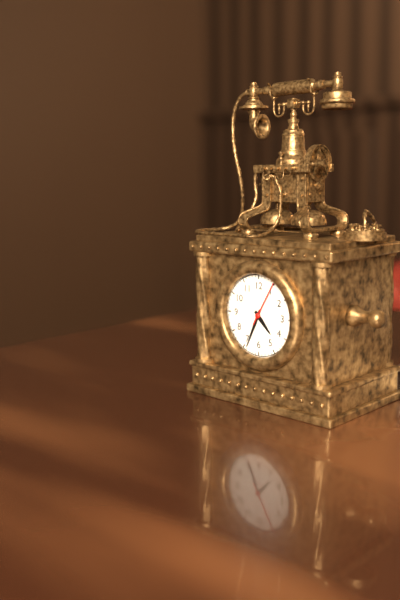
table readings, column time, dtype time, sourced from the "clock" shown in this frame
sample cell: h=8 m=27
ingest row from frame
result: h=4 m=34
